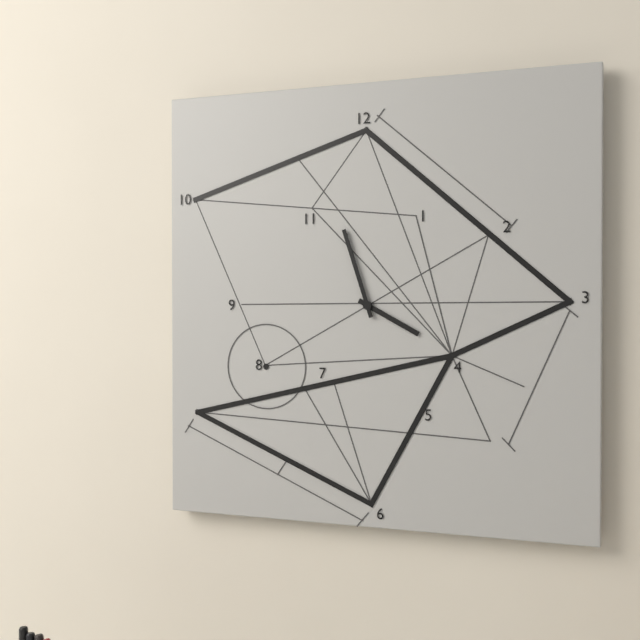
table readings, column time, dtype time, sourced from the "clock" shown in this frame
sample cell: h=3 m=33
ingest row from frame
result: h=3 m=57
